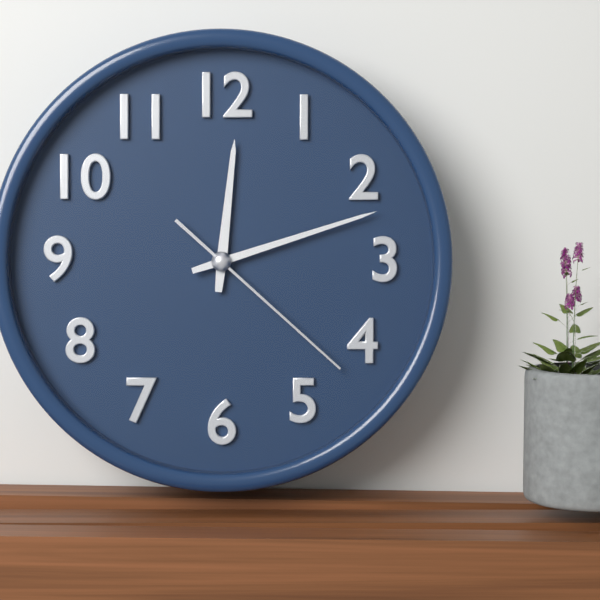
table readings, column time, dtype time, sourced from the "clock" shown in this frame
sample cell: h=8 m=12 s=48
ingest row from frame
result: h=12 m=12 s=22
